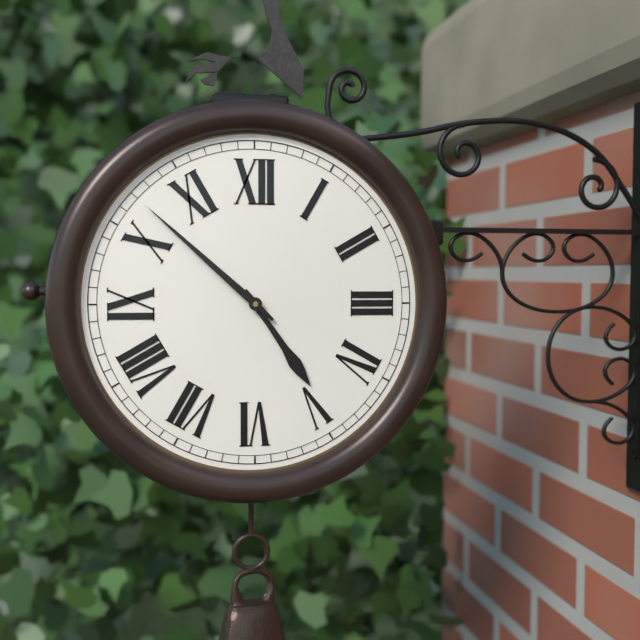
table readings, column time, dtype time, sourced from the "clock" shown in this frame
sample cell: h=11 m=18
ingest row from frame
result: h=4 m=52
